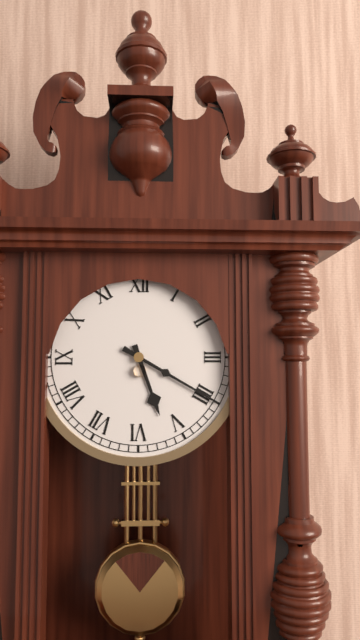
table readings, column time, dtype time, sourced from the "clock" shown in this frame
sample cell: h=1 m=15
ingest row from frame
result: h=5 m=20
